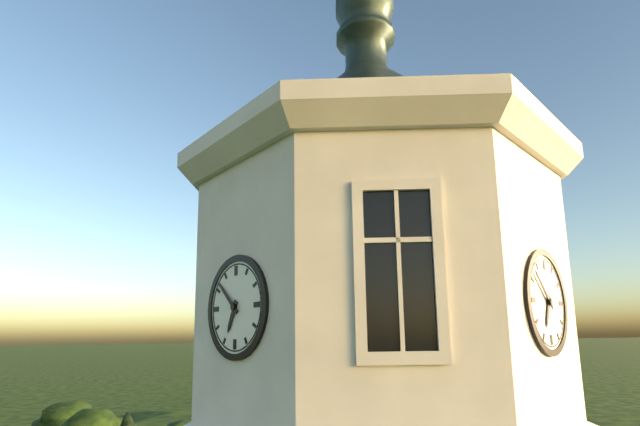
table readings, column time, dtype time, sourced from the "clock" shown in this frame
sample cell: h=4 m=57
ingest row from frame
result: h=6 m=52
